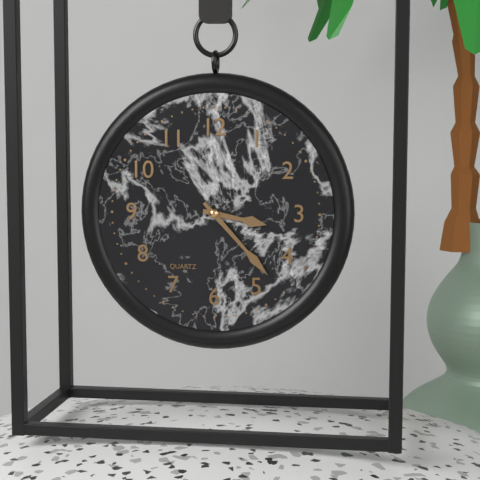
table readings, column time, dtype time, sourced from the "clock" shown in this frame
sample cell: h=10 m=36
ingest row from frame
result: h=3 m=23
